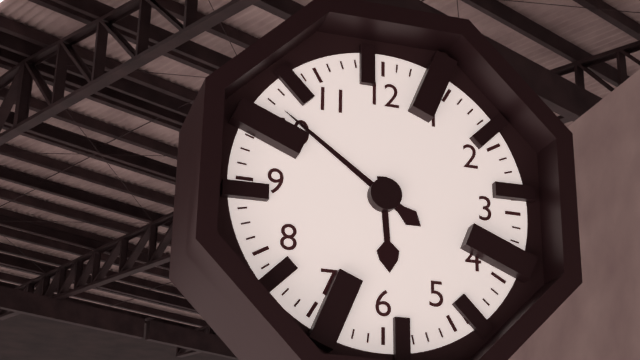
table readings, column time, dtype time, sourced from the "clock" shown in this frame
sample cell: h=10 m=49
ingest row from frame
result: h=5 m=51
